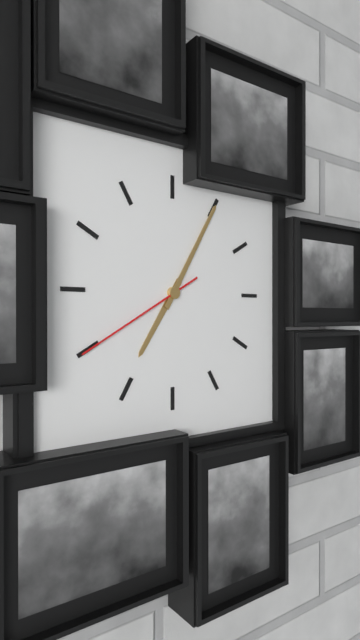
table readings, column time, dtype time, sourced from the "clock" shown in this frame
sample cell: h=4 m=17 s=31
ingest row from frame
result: h=7 m=5 s=40
